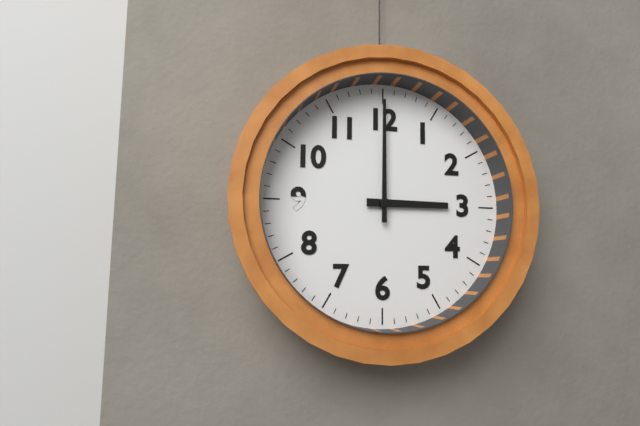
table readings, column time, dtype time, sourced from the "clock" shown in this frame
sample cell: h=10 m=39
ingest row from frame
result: h=3 m=0
